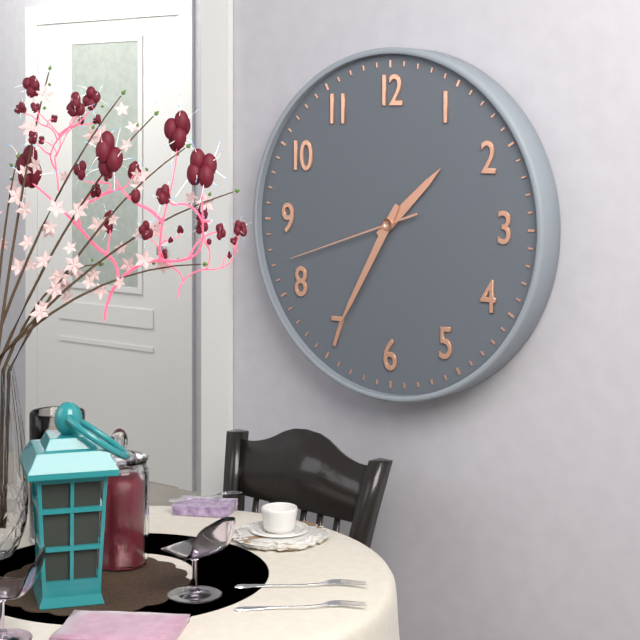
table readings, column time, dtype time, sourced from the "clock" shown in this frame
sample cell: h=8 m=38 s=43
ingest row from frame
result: h=1 m=35 s=42
